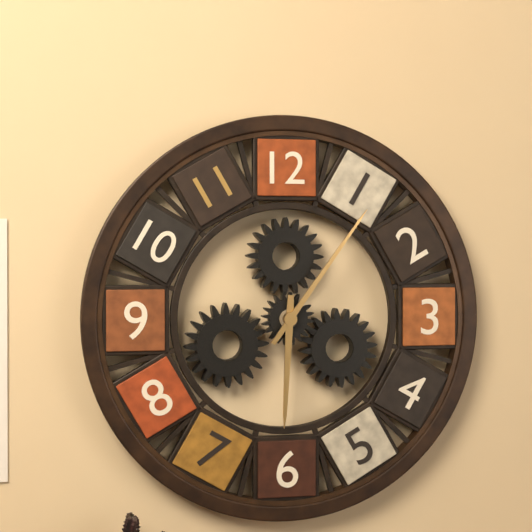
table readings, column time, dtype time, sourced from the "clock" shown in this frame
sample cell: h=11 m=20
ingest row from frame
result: h=6 m=6
